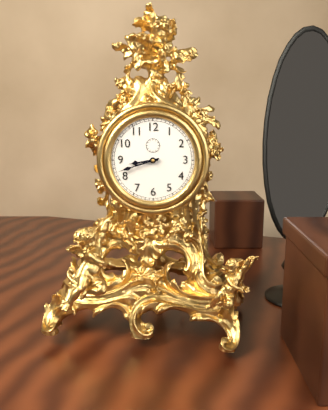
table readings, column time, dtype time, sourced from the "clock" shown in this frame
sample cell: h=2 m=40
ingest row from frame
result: h=8 m=42
